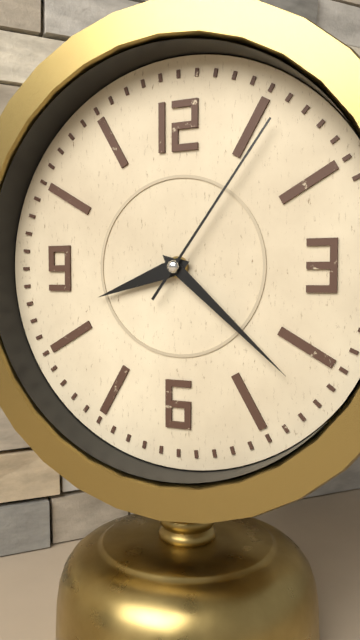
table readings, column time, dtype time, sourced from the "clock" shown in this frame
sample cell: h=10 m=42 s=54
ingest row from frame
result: h=8 m=22 s=6
